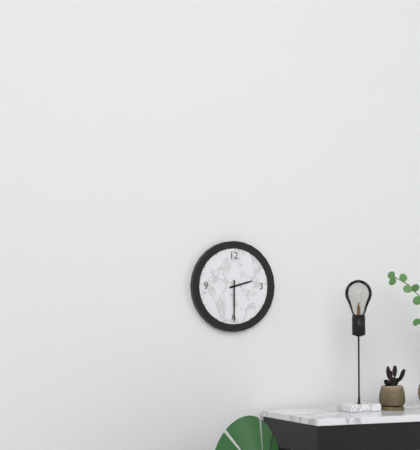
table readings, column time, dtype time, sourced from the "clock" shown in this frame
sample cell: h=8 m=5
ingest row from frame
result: h=2 m=30
